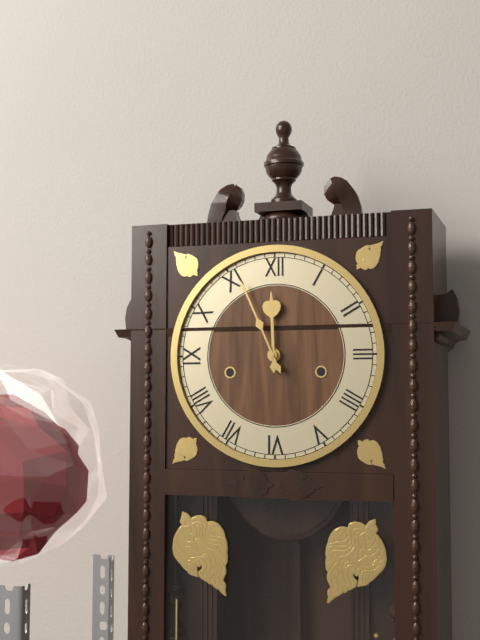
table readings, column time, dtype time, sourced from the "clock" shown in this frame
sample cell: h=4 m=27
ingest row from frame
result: h=11 m=56
